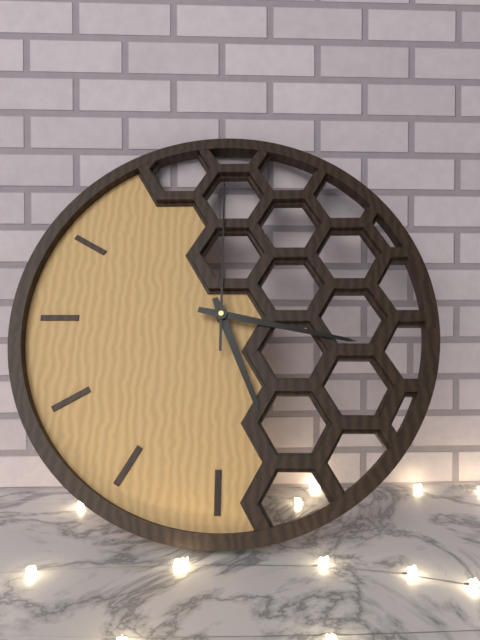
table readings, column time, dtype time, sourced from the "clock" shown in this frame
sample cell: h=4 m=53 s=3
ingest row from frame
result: h=5 m=17 s=0
